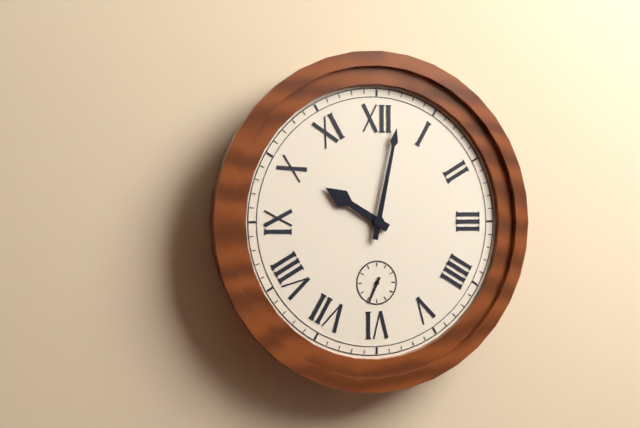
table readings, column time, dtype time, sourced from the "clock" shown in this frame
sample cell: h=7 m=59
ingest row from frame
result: h=10 m=2
